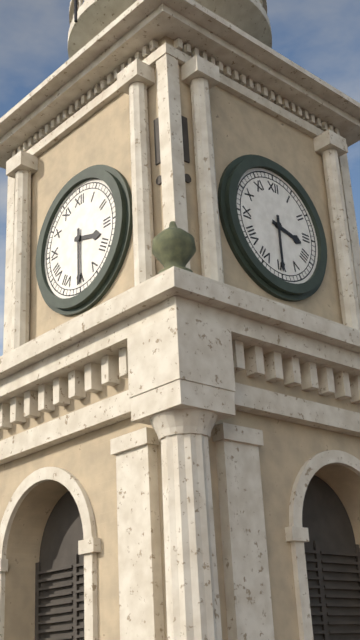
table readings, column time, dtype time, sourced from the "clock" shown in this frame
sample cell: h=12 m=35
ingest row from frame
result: h=3 m=30
